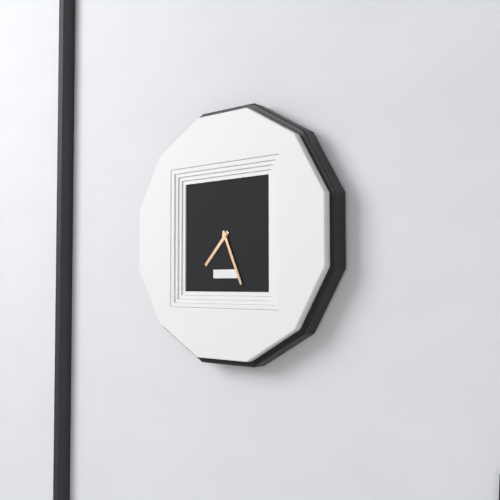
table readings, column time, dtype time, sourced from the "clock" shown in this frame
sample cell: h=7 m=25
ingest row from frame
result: h=7 m=26
